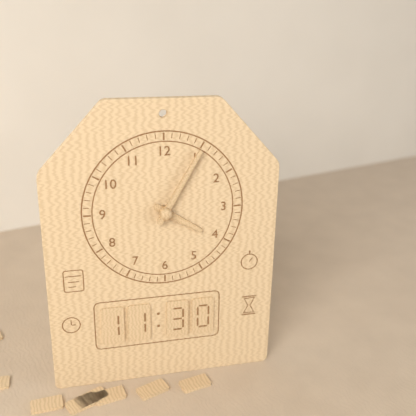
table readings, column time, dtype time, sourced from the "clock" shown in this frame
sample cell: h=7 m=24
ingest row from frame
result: h=4 m=5
